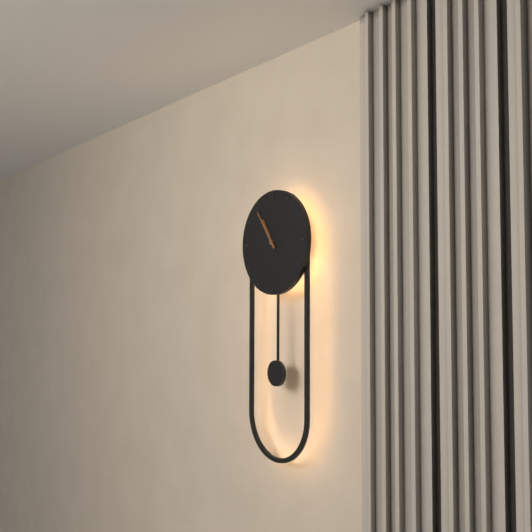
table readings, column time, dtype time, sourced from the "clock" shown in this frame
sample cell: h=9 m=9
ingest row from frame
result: h=10 m=54
